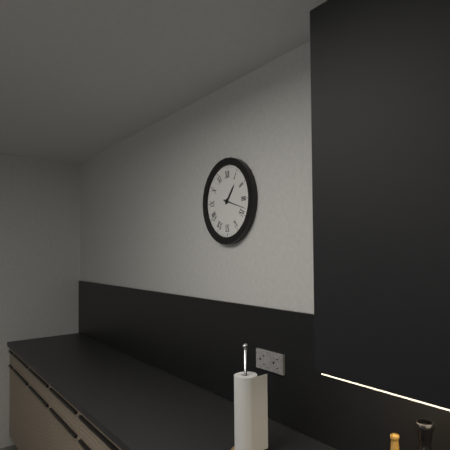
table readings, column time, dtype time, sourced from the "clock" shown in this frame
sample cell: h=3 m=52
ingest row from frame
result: h=1 m=18
